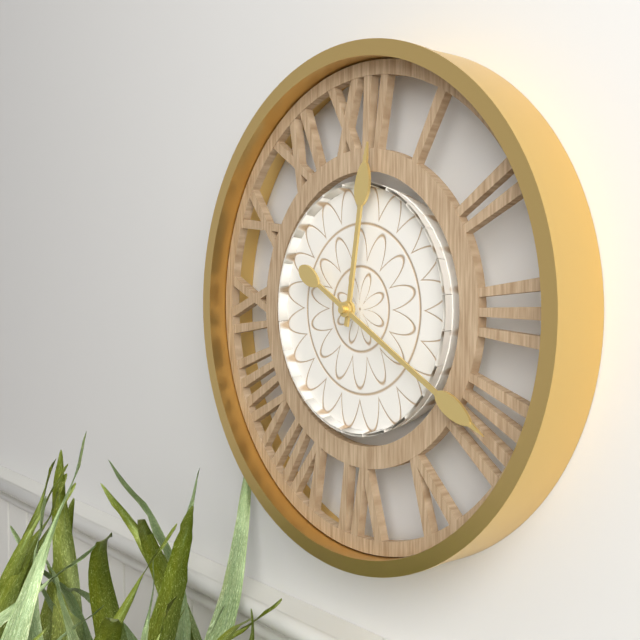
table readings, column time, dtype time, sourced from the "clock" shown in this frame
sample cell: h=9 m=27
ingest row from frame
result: h=12 m=20
